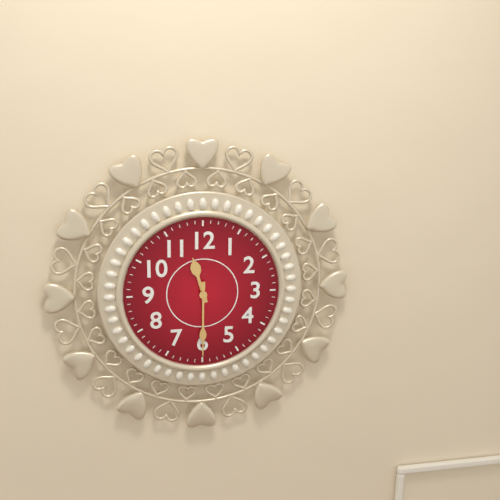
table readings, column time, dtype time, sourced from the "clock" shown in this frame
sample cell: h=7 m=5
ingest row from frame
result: h=11 m=30
